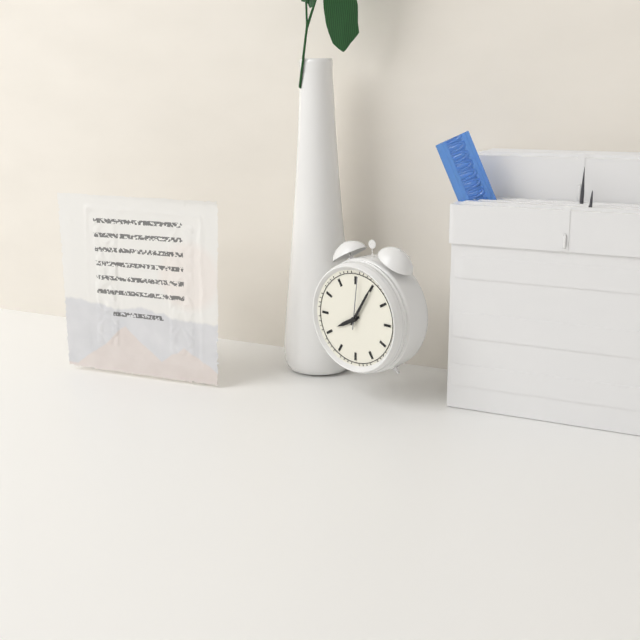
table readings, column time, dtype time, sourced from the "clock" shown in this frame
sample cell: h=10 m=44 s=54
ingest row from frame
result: h=8 m=5 s=1
